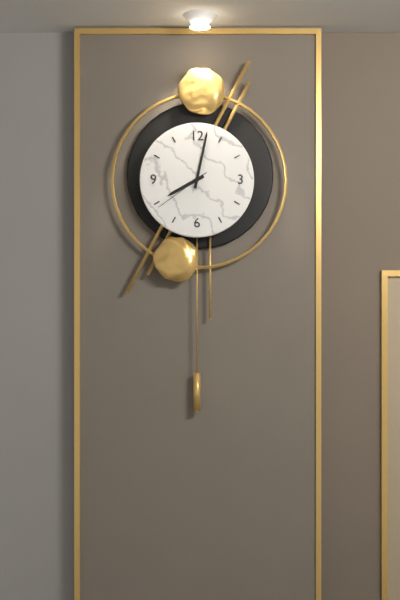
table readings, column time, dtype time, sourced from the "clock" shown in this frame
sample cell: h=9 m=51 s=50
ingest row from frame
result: h=8 m=2 s=39
